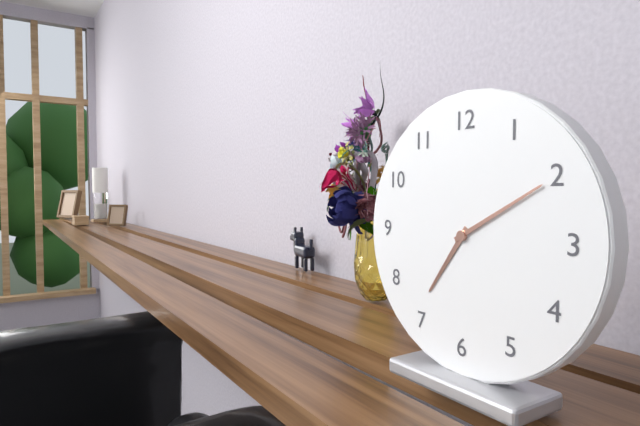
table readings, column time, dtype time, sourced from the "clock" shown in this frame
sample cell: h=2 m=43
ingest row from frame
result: h=7 m=10
